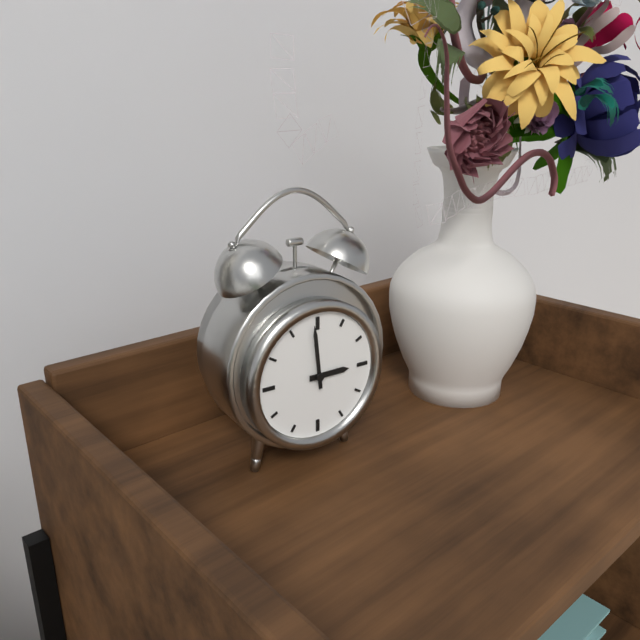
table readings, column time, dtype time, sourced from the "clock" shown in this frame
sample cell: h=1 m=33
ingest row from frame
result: h=2 m=59
